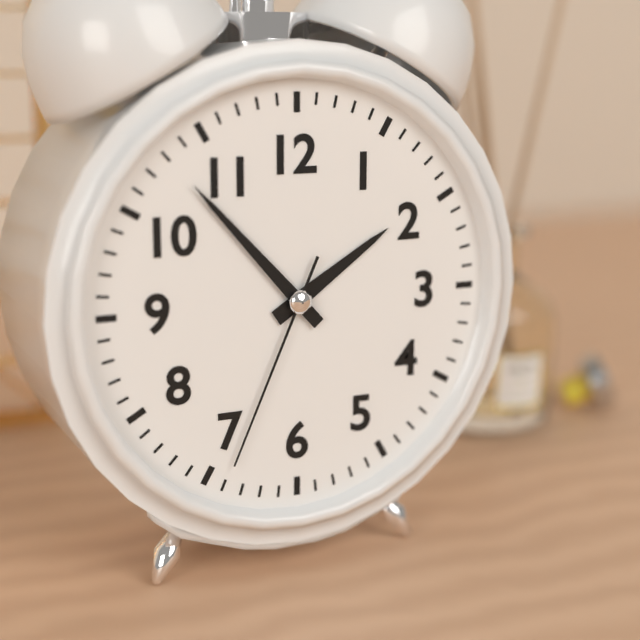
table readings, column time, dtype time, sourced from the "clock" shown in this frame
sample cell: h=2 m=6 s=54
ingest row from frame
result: h=1 m=53 s=34
